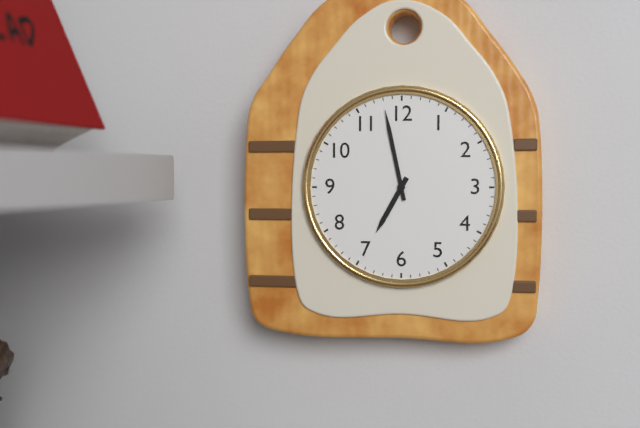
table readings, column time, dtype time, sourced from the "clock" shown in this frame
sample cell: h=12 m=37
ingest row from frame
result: h=6 m=58
